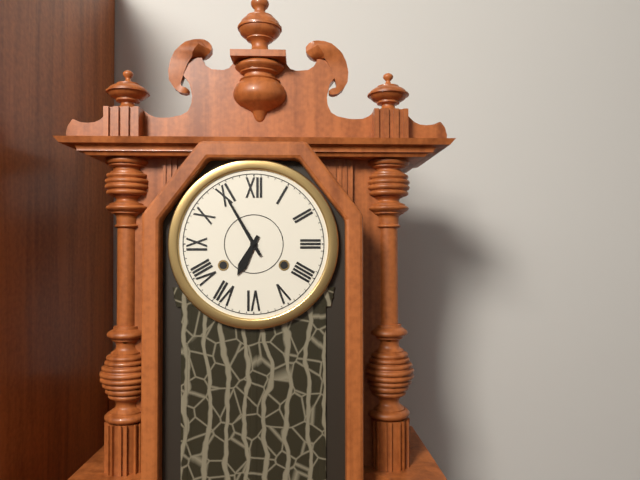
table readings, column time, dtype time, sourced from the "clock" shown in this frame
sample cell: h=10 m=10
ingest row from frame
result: h=6 m=55
